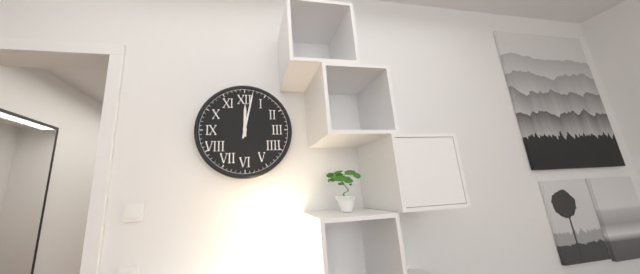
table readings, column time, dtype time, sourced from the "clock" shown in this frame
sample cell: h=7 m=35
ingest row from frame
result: h=12 m=2
